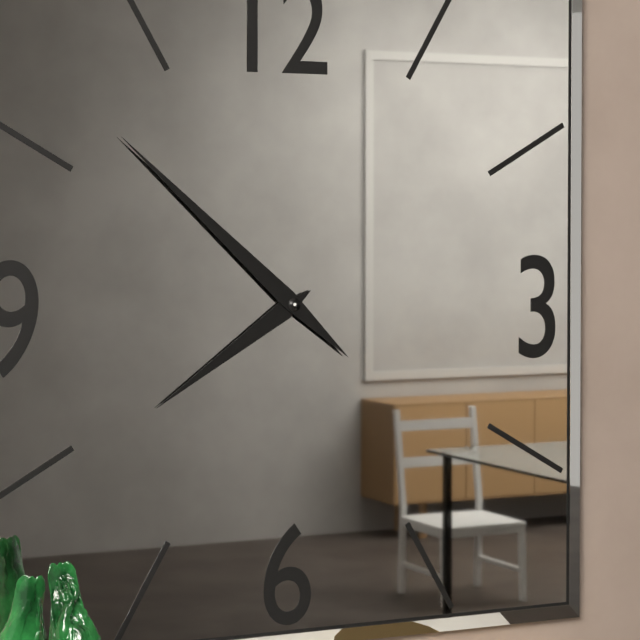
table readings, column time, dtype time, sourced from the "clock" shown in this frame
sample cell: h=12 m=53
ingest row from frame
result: h=7 m=52
